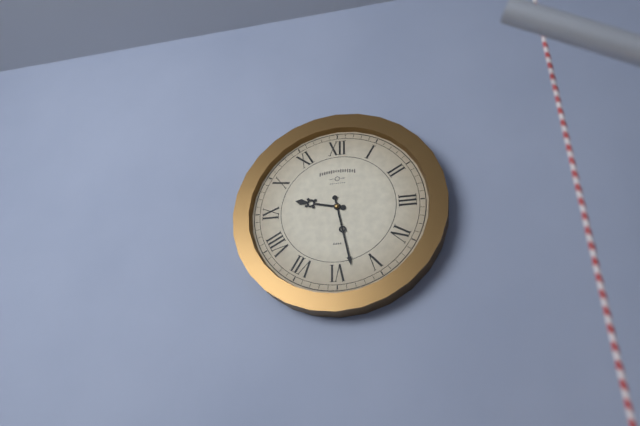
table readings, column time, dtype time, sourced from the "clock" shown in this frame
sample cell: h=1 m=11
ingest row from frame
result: h=9 m=28
